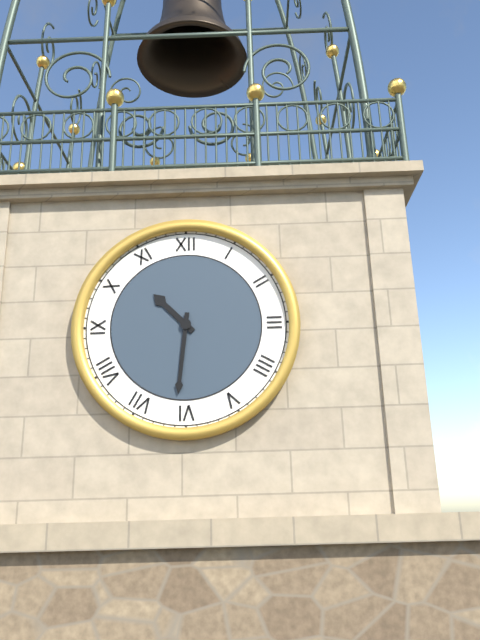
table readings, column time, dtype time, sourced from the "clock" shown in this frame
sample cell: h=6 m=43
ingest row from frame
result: h=10 m=31
